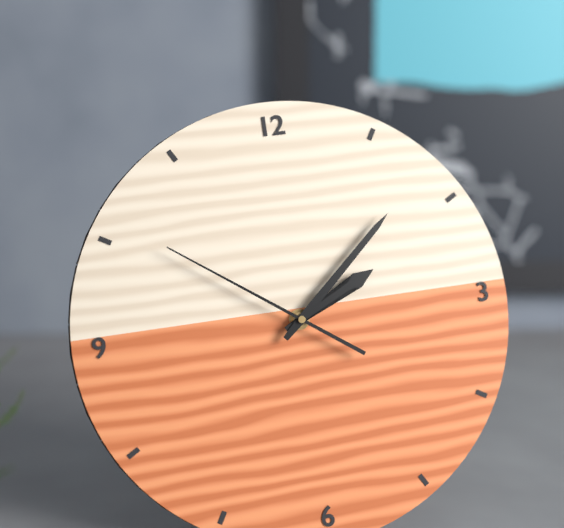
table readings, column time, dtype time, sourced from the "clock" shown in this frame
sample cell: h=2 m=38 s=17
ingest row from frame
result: h=2 m=8 s=51
